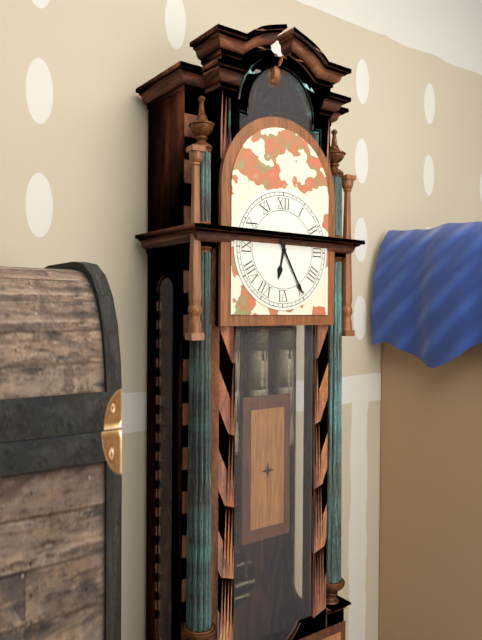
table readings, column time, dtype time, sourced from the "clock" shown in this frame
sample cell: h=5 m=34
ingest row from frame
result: h=6 m=25
